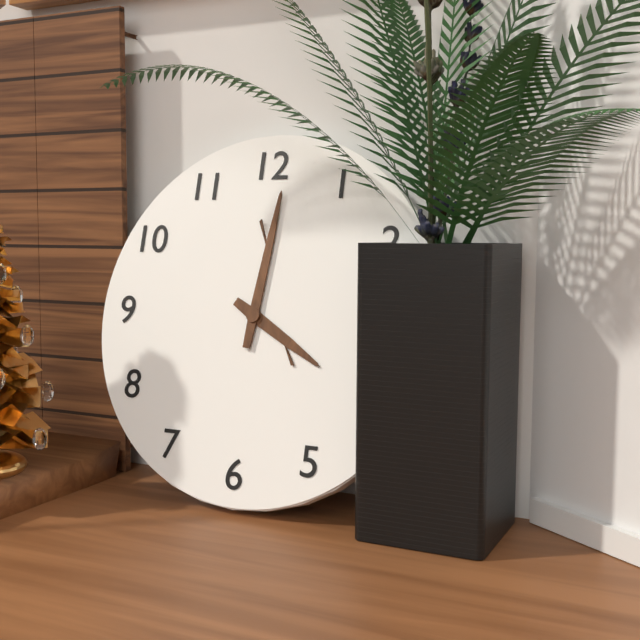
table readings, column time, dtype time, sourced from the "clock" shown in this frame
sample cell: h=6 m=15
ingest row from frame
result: h=4 m=1
